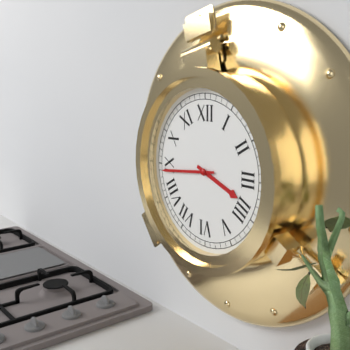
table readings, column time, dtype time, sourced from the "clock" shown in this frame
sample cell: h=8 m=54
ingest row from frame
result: h=3 m=44
